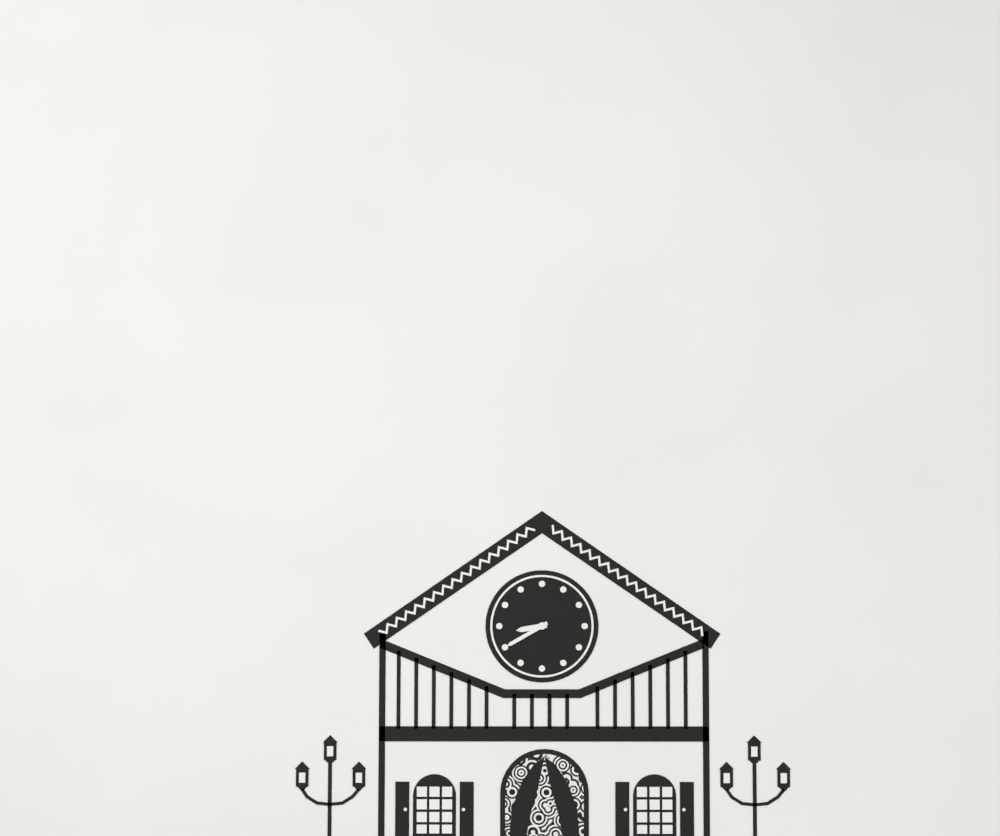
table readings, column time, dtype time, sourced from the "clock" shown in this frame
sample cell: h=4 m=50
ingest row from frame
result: h=8 m=40
